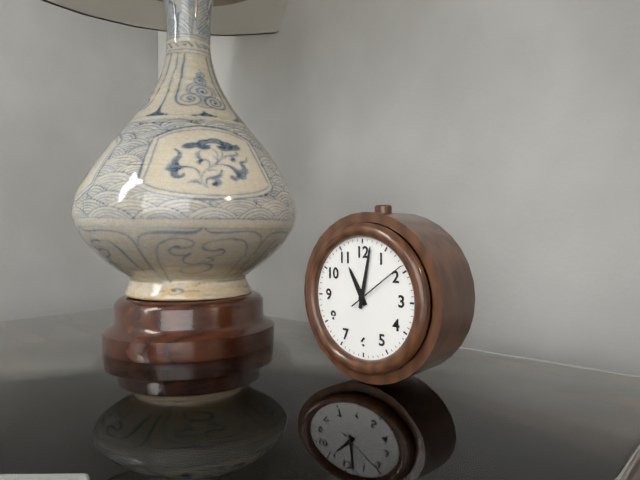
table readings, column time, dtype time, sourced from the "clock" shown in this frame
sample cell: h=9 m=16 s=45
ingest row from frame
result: h=11 m=2 s=9
